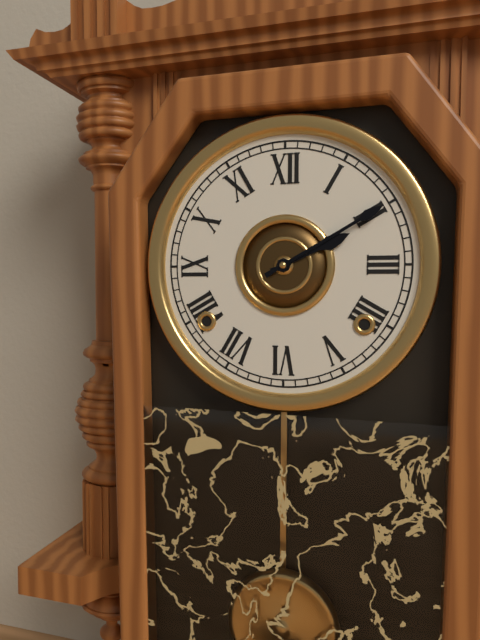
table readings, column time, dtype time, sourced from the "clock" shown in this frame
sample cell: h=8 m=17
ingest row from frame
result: h=2 m=10
